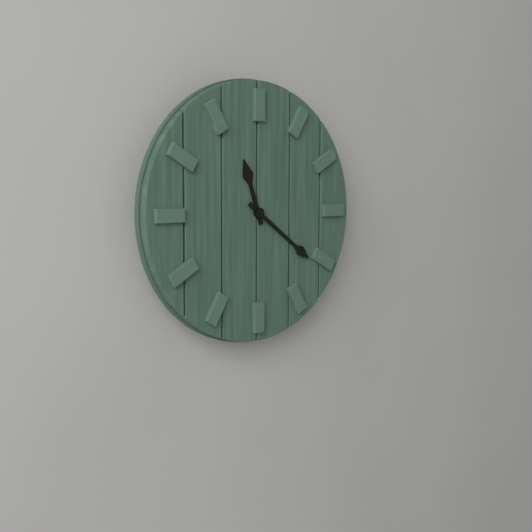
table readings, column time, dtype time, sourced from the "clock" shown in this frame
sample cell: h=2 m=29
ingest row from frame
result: h=11 m=21
